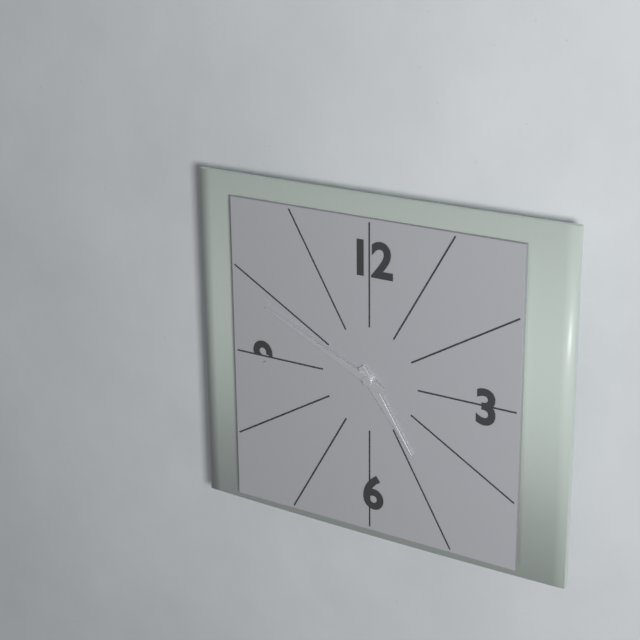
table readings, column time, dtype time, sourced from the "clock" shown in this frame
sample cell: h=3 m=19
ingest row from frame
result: h=4 m=49
